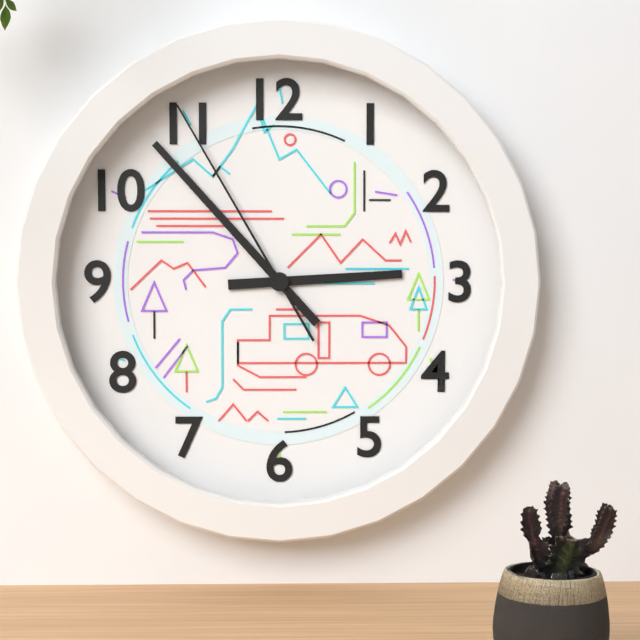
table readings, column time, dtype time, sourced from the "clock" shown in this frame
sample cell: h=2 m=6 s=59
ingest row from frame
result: h=2 m=53 s=55
